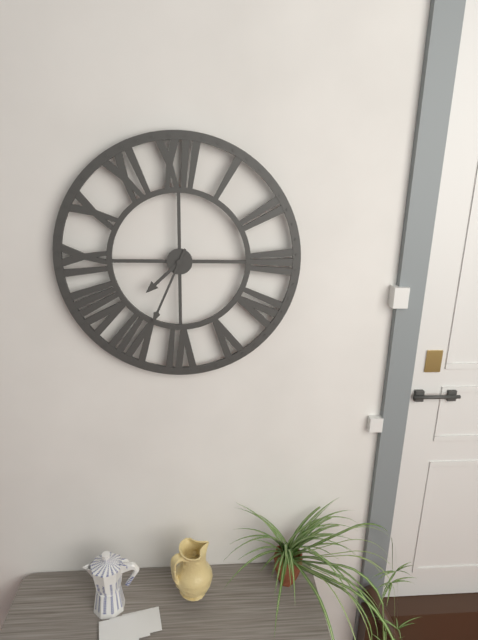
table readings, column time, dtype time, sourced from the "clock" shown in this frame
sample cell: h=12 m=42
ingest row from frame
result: h=7 m=34
